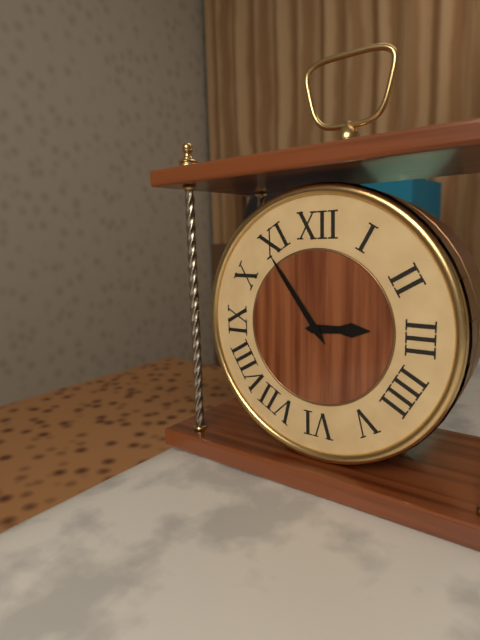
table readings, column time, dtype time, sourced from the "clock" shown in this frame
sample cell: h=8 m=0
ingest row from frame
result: h=2 m=54
